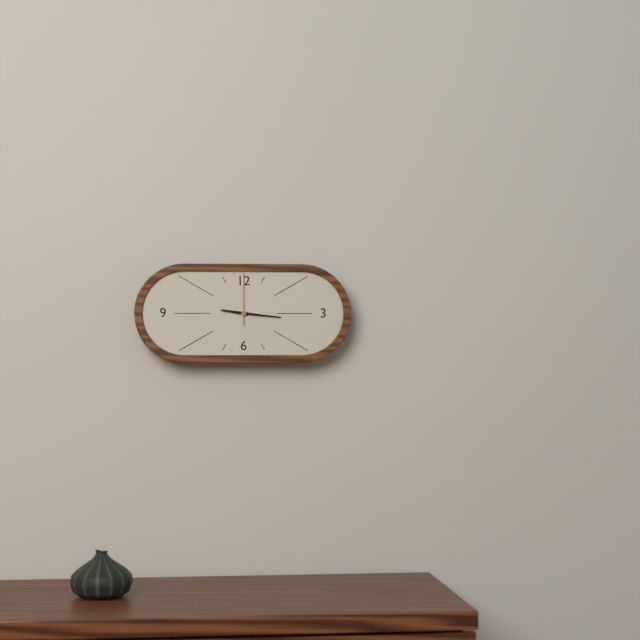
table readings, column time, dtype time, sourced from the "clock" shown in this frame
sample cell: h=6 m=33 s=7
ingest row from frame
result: h=9 m=16 s=0
